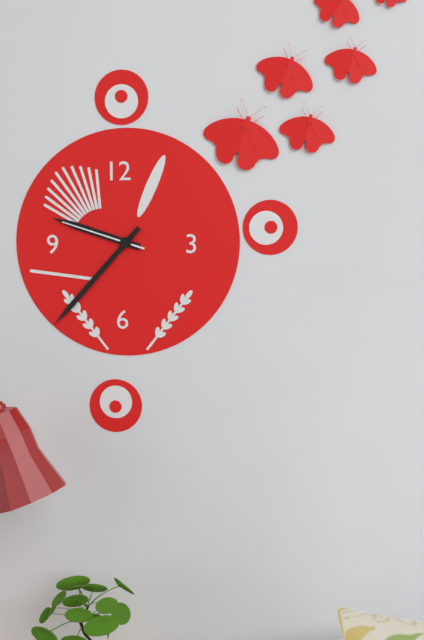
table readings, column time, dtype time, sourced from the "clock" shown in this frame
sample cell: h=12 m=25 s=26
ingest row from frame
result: h=9 m=37 s=48
